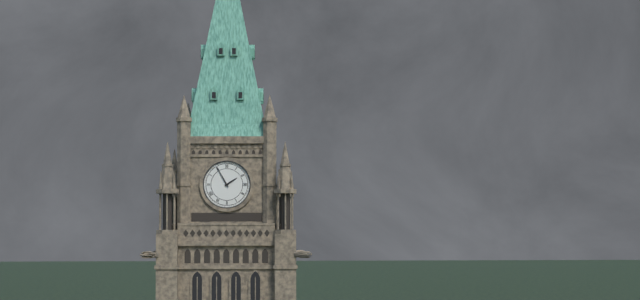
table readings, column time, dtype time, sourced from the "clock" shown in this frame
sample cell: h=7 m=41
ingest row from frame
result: h=1 m=55
